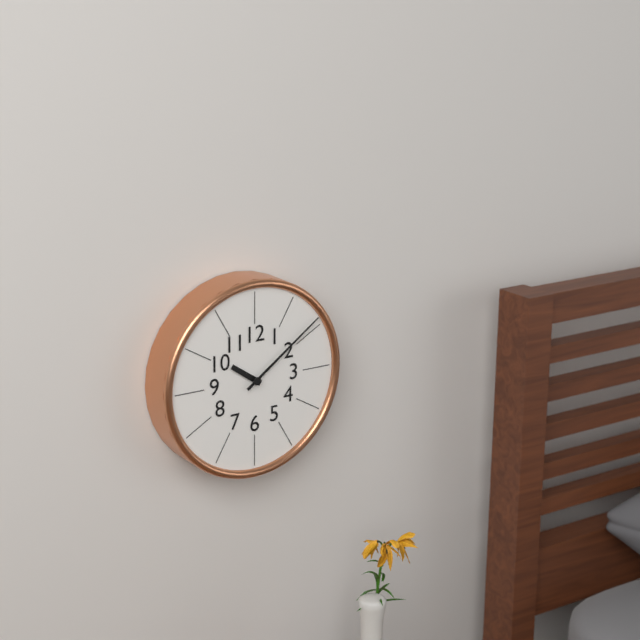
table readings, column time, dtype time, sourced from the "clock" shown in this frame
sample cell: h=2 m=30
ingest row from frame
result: h=10 m=9
